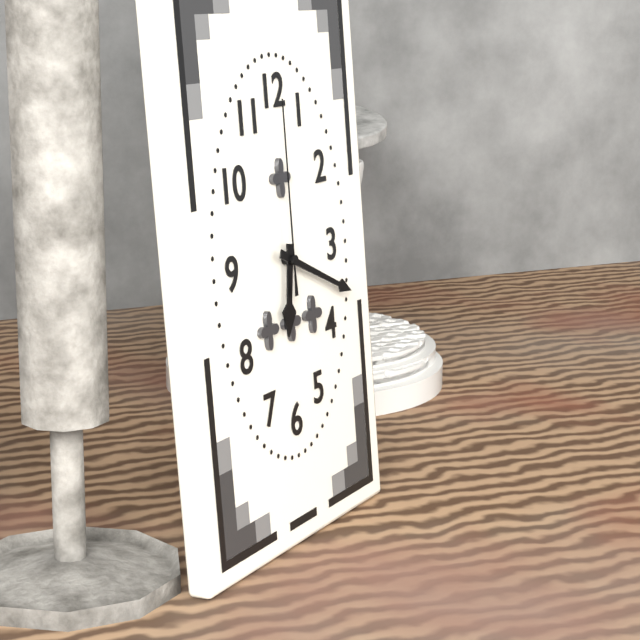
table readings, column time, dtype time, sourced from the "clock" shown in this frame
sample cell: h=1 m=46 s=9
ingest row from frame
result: h=6 m=19 s=0
